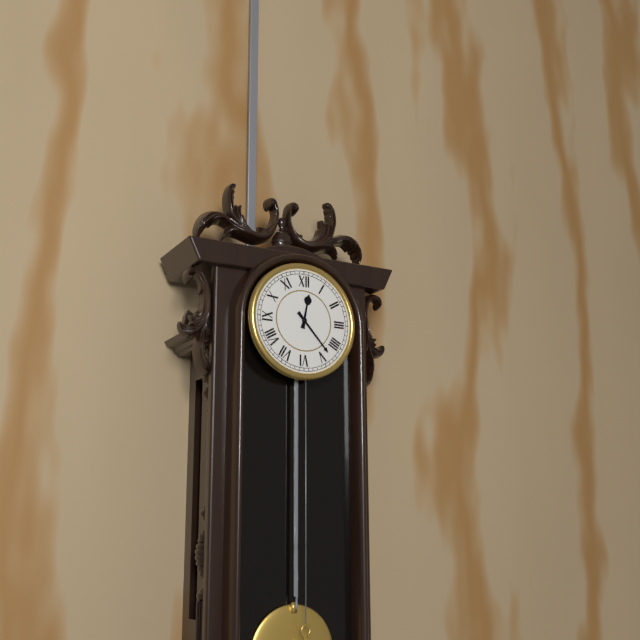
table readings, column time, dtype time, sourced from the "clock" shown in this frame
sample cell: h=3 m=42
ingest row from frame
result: h=12 m=23
